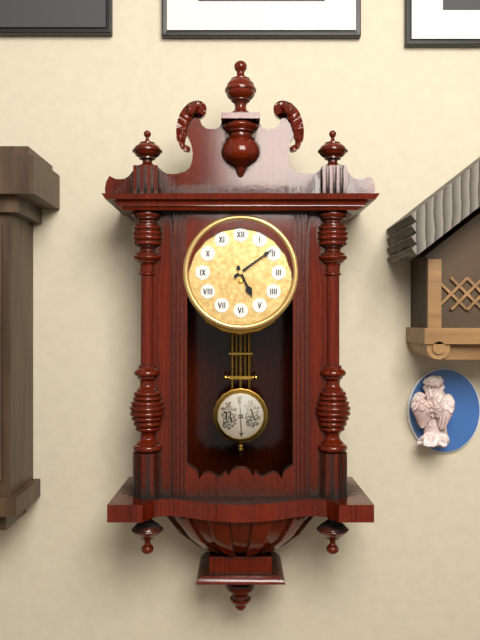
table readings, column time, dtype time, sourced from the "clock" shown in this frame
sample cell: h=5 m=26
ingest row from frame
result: h=5 m=9
